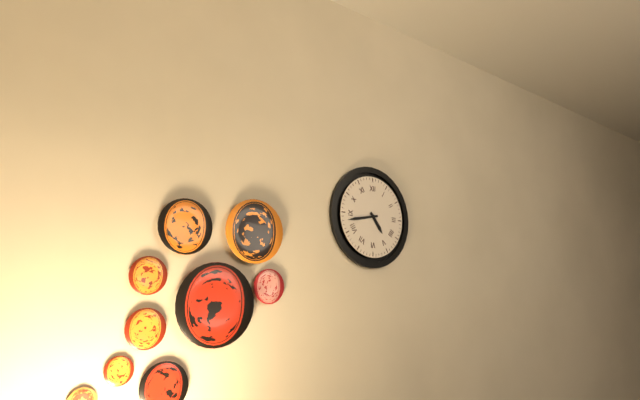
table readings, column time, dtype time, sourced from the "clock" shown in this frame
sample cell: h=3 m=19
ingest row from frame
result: h=4 m=43
